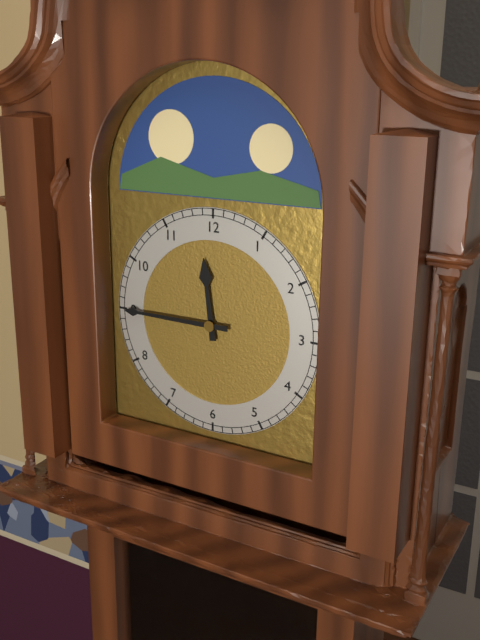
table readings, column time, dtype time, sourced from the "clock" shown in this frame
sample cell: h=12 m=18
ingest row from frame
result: h=11 m=45
